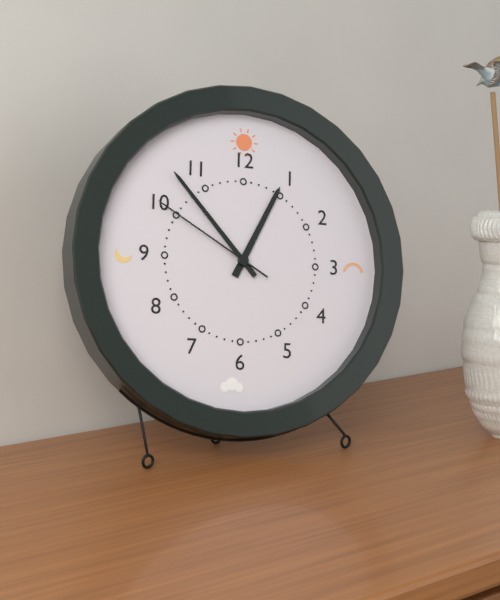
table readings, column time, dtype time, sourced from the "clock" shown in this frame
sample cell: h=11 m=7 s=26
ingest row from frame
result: h=12 m=53 s=50
